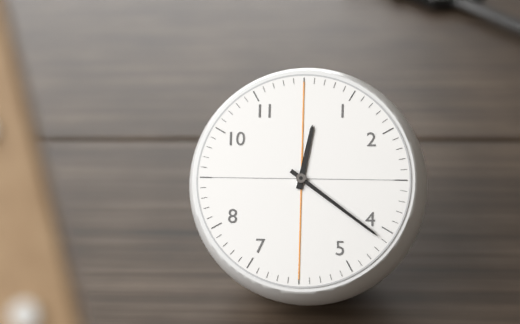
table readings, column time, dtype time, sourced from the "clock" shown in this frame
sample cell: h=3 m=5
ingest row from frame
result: h=12 m=21
